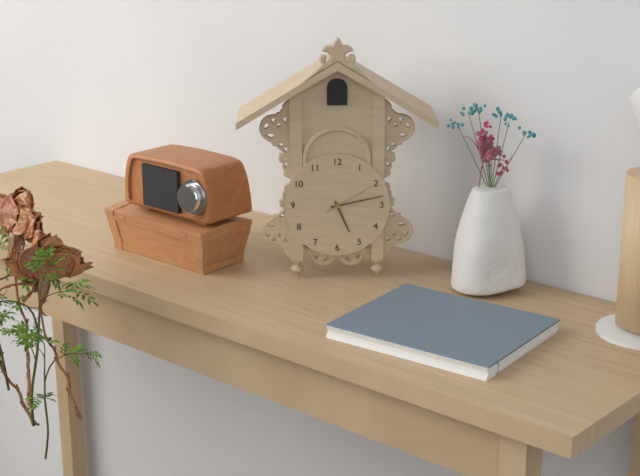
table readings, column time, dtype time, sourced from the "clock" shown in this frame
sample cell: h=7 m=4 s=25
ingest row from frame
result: h=5 m=13 s=10
